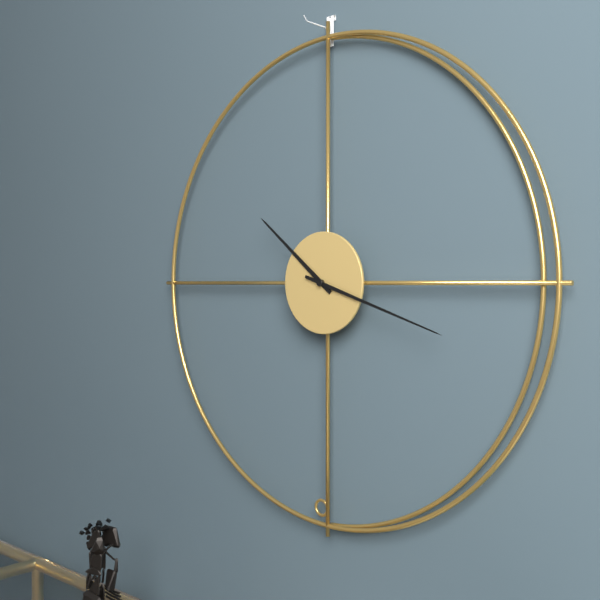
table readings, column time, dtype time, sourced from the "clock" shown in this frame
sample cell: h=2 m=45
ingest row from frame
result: h=10 m=18
